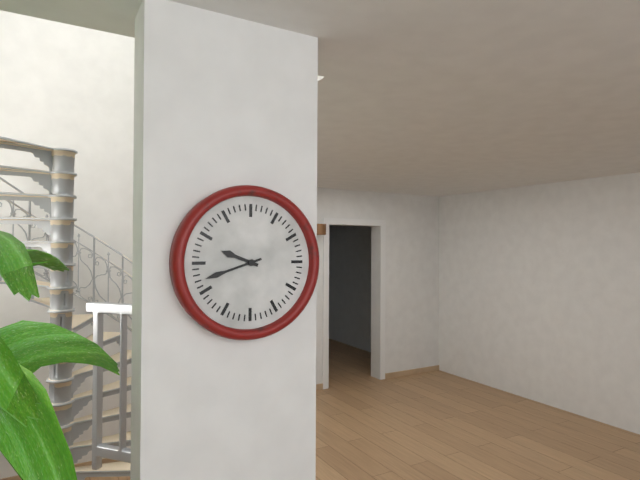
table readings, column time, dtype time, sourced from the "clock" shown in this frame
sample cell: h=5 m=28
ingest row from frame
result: h=9 m=42
